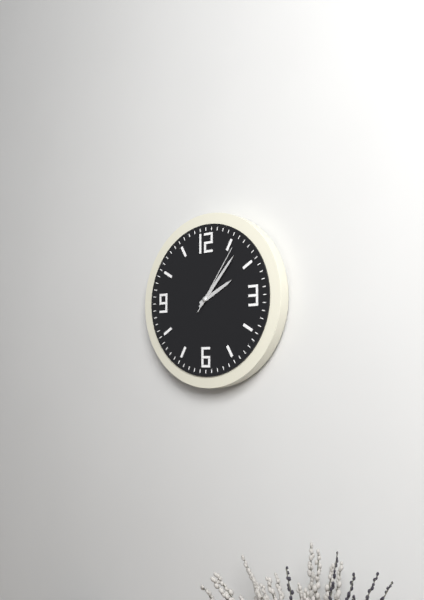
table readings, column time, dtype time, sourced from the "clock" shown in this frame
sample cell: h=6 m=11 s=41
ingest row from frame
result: h=2 m=7 s=6
